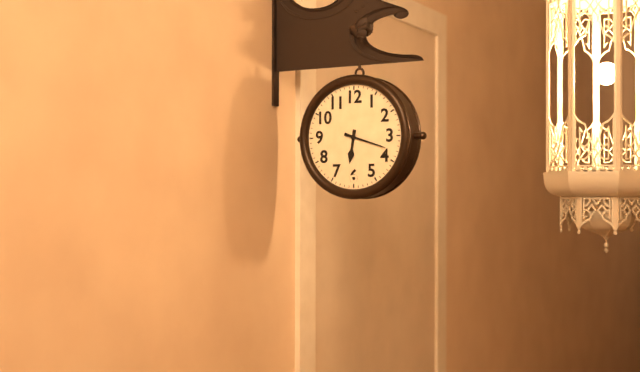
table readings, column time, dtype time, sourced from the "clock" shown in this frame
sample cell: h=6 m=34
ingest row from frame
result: h=6 m=18
